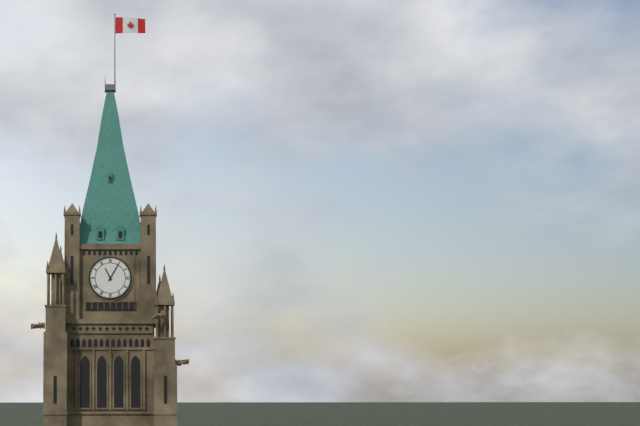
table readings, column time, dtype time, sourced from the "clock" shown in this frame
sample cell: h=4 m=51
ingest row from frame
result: h=11 m=5
